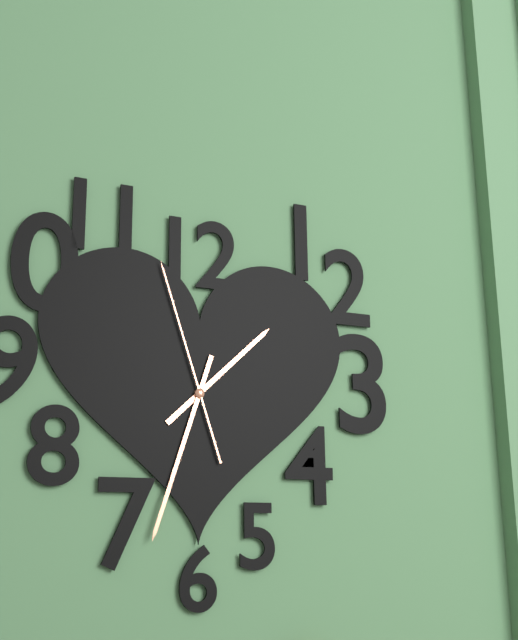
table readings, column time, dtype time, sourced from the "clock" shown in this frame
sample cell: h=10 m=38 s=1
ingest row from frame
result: h=1 m=33 s=57
